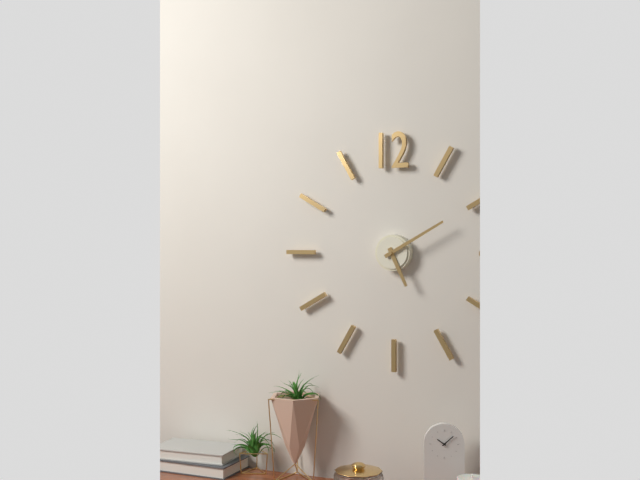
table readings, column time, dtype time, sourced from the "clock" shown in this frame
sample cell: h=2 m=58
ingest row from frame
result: h=5 m=10
